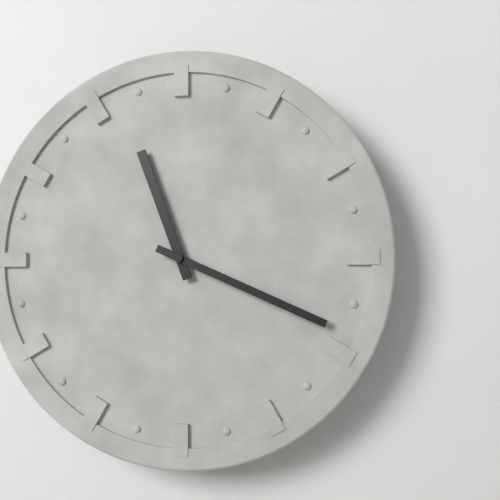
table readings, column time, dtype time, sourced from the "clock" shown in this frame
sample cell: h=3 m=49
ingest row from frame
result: h=11 m=19
